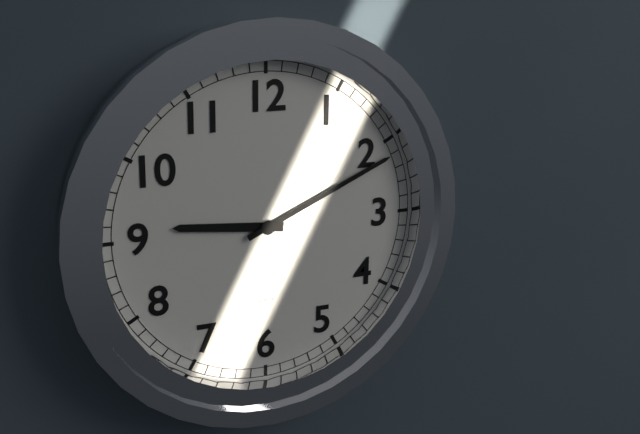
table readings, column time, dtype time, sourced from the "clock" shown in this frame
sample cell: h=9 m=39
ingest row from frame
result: h=9 m=11
